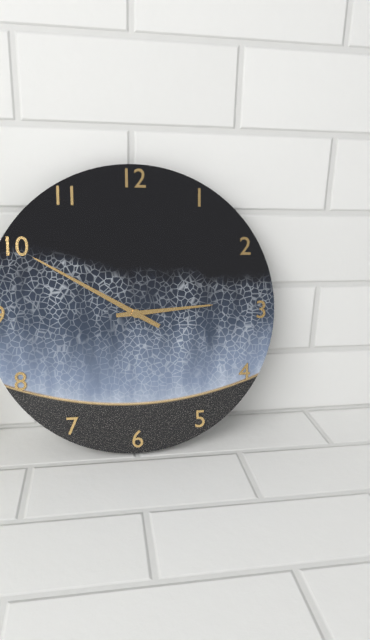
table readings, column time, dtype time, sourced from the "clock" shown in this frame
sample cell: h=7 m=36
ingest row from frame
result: h=2 m=50
